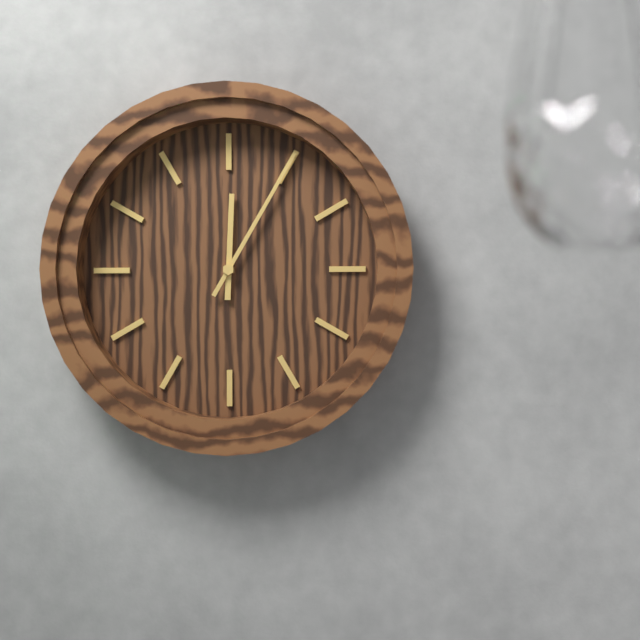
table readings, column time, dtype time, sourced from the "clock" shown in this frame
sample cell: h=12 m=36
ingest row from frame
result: h=12 m=5
